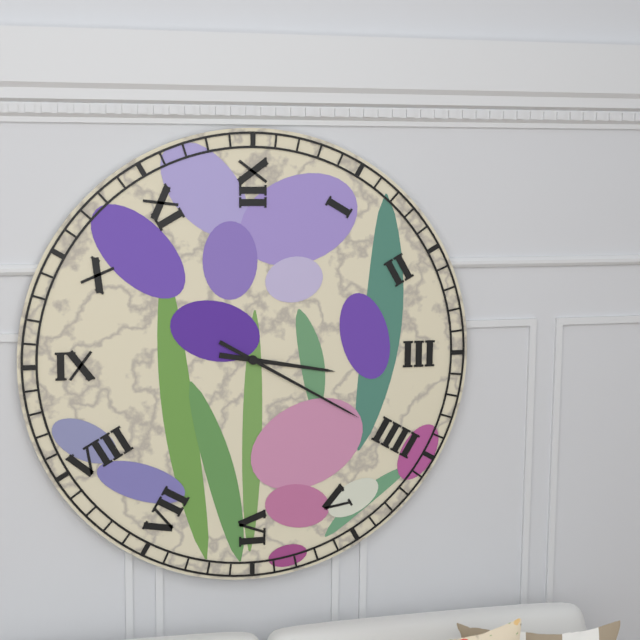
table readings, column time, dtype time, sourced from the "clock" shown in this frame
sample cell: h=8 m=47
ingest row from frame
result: h=3 m=20
